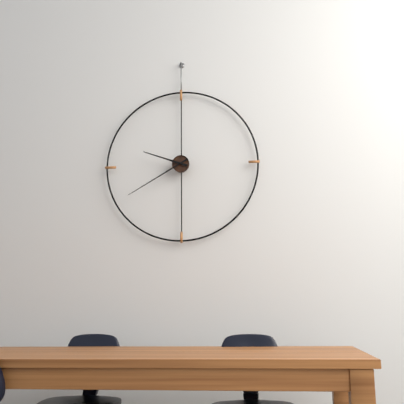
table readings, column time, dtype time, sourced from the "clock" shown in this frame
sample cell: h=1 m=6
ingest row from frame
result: h=9 m=40
